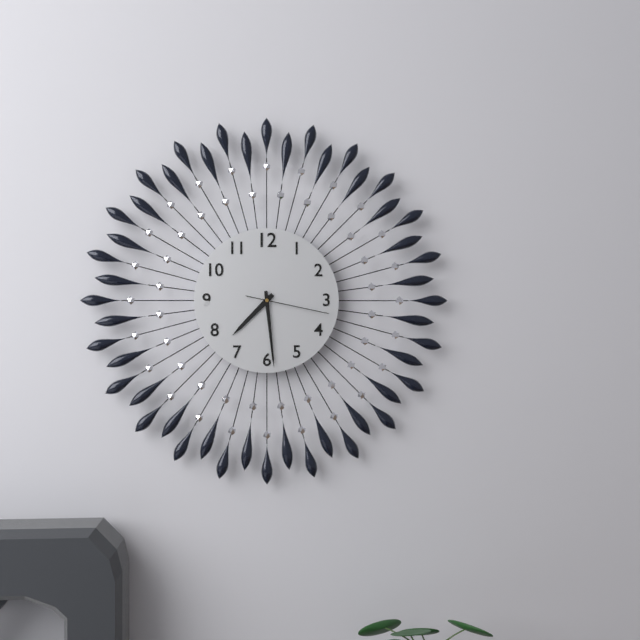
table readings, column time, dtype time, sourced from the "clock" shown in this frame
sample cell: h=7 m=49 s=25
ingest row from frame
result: h=7 m=29 s=17
